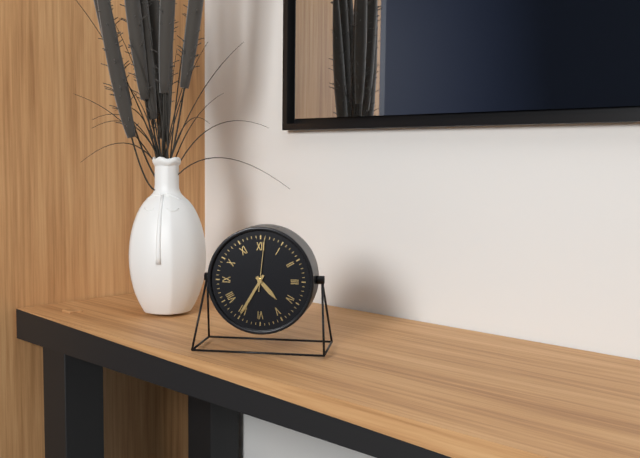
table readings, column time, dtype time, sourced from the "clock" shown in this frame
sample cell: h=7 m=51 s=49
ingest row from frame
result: h=4 m=35 s=1
